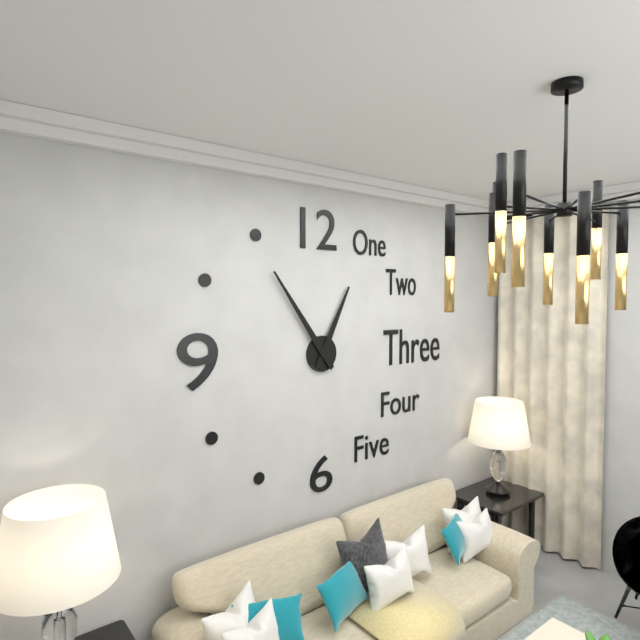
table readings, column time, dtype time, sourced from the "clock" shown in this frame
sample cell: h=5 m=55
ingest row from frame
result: h=12 m=54
